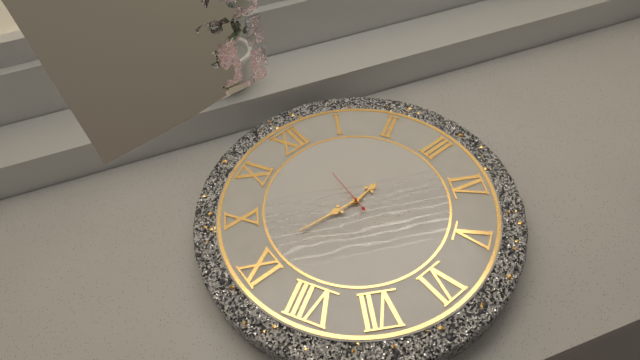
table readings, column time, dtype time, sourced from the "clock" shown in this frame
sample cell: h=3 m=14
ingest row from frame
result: h=2 m=46
